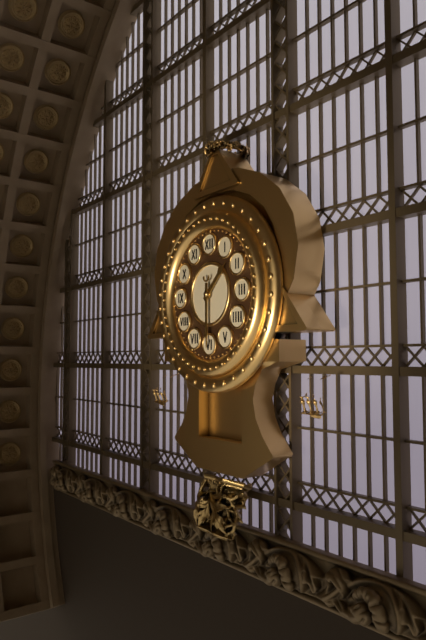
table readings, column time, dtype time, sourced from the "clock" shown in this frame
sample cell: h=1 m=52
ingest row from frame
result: h=1 m=30
